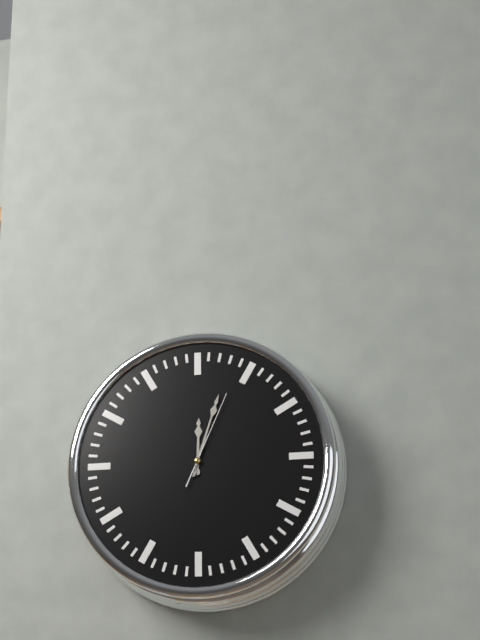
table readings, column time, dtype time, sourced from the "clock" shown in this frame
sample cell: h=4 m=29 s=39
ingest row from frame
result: h=12 m=3 s=4
